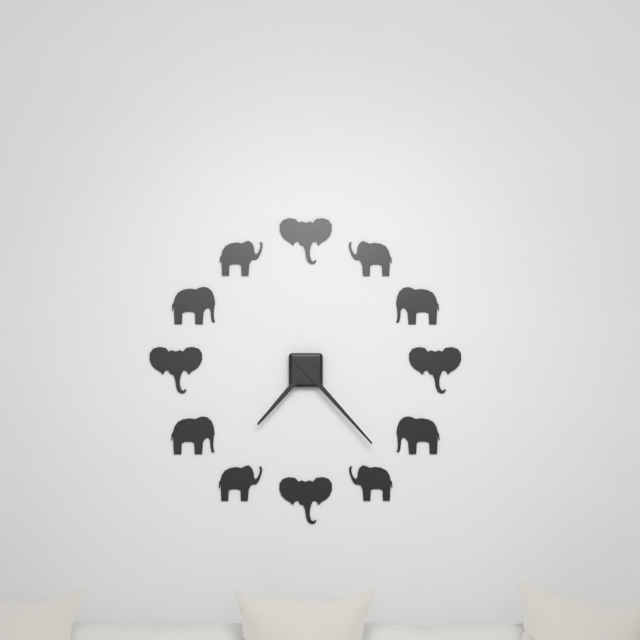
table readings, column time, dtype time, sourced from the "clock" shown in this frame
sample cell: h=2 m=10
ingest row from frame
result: h=7 m=23
